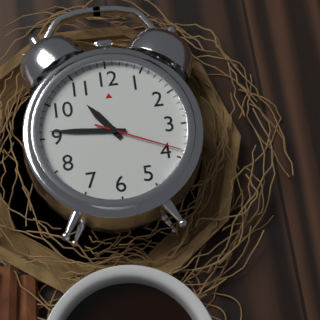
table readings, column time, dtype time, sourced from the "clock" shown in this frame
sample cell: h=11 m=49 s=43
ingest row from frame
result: h=10 m=46 s=19
